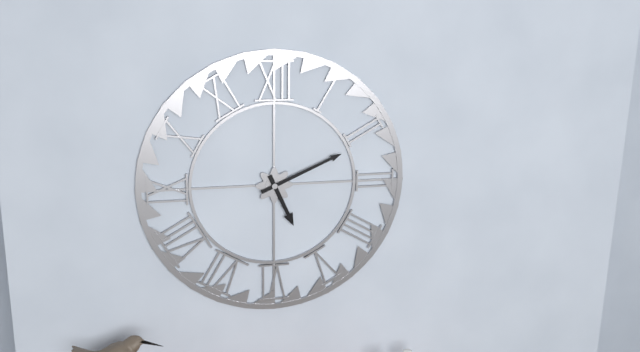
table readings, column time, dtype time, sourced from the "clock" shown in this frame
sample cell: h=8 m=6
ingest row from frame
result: h=5 m=11
